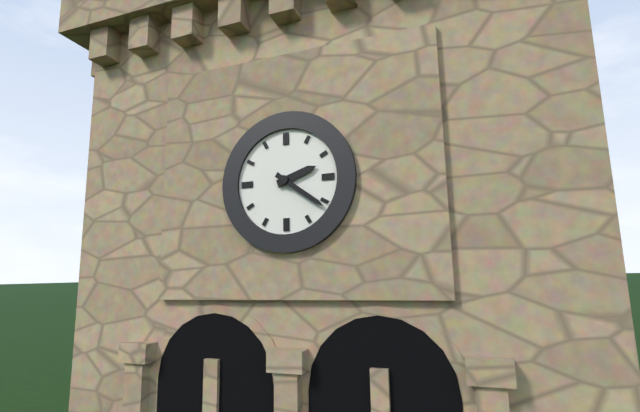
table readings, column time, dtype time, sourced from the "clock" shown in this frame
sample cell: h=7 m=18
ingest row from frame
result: h=2 m=21
